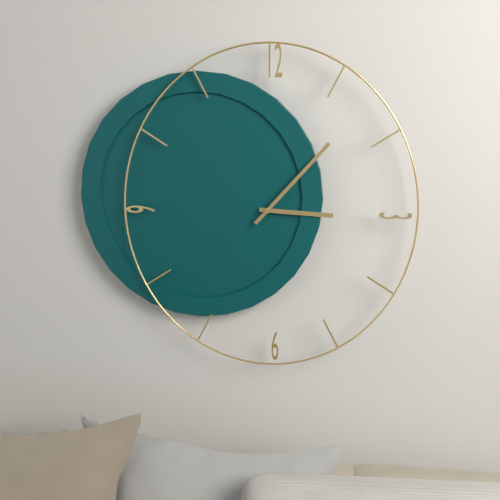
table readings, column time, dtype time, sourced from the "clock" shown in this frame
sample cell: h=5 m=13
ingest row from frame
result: h=3 m=7
